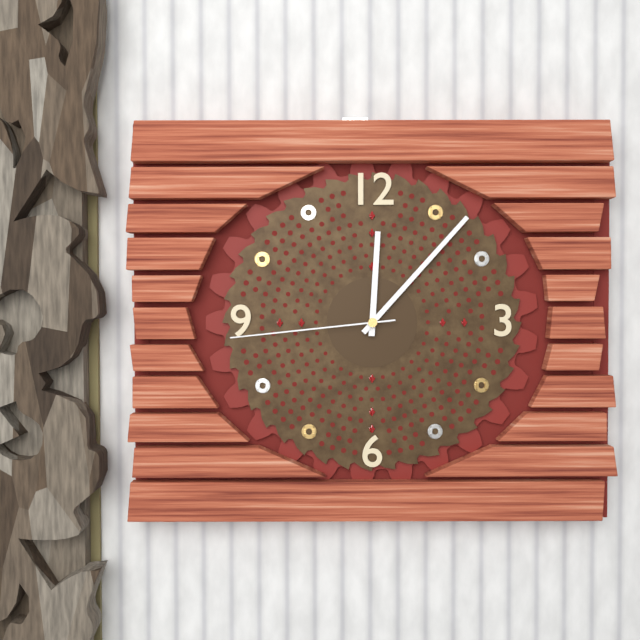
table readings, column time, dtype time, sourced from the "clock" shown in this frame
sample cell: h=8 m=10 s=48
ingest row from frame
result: h=12 m=7 s=44
